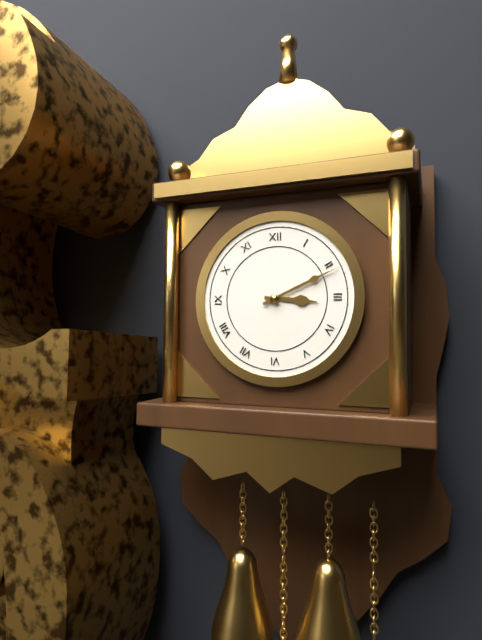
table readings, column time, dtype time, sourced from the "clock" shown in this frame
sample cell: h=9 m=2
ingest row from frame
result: h=3 m=11
